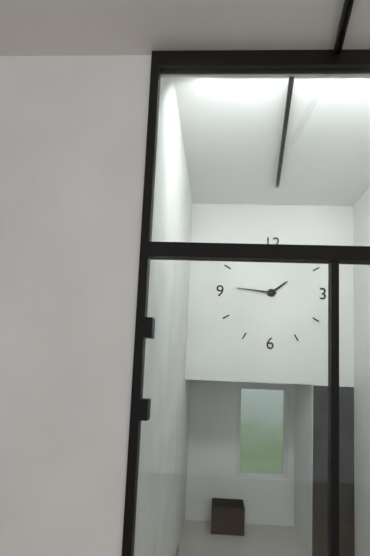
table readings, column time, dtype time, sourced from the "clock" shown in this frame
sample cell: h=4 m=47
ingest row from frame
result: h=1 m=46
